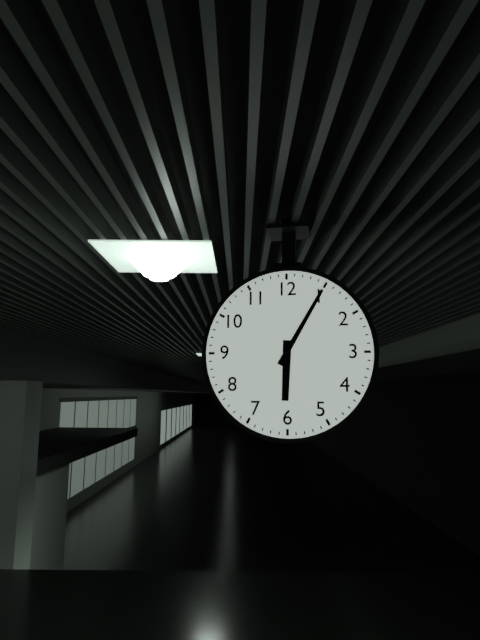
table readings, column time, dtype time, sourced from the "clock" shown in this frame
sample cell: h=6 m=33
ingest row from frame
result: h=6 m=5
